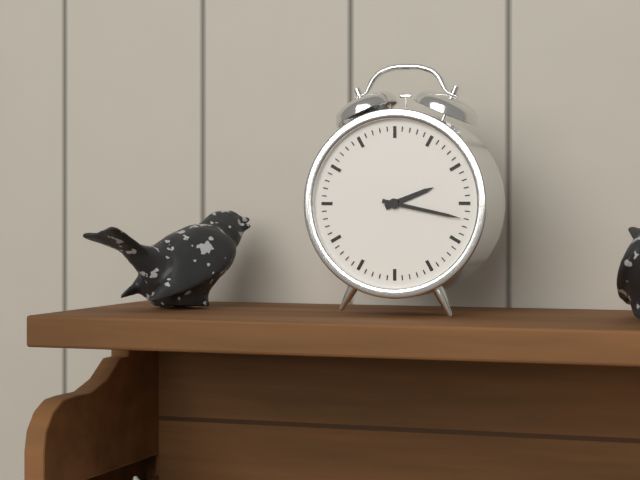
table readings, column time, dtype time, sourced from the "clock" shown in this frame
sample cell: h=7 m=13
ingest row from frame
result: h=2 m=17
